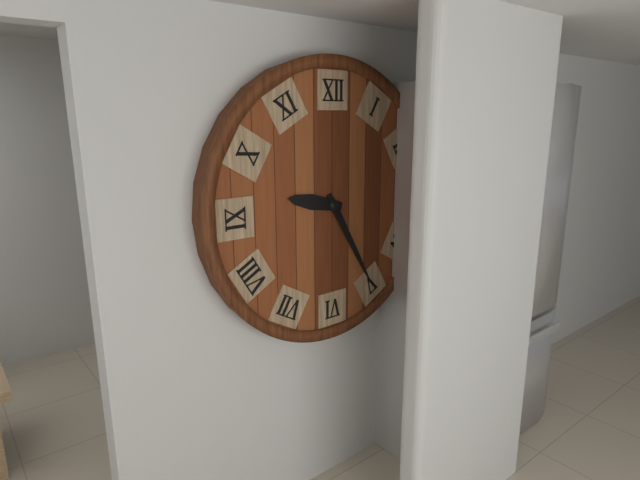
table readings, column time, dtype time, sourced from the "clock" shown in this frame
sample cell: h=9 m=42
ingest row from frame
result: h=9 m=25
